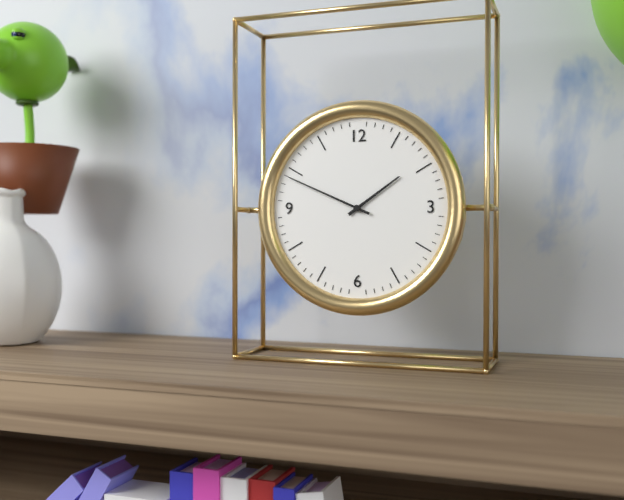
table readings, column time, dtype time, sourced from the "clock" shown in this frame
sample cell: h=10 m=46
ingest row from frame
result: h=1 m=49
